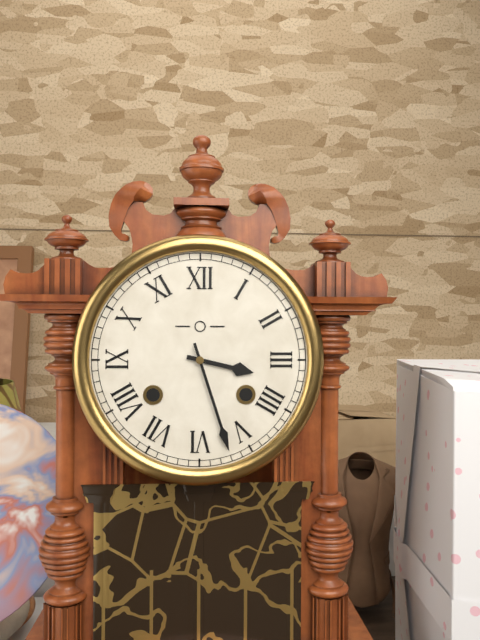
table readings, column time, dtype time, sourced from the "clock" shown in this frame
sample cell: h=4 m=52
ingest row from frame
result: h=3 m=27
